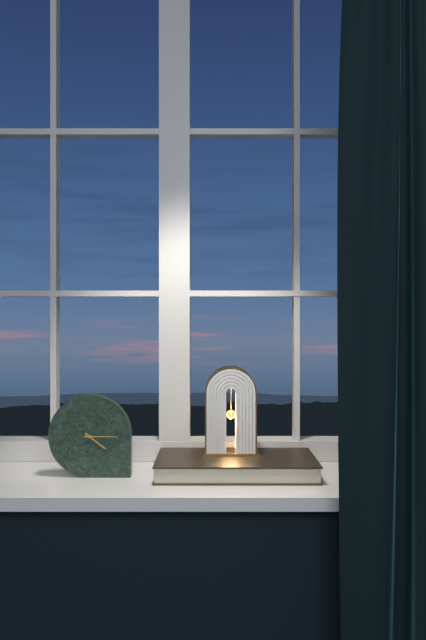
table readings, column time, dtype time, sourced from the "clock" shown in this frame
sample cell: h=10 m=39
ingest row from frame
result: h=4 m=15
